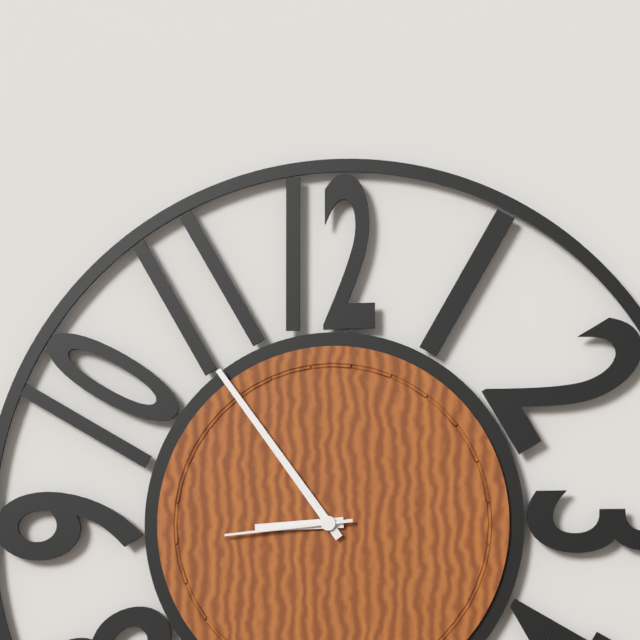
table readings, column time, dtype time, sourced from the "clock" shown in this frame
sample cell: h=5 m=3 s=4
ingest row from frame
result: h=8 m=54 s=44
